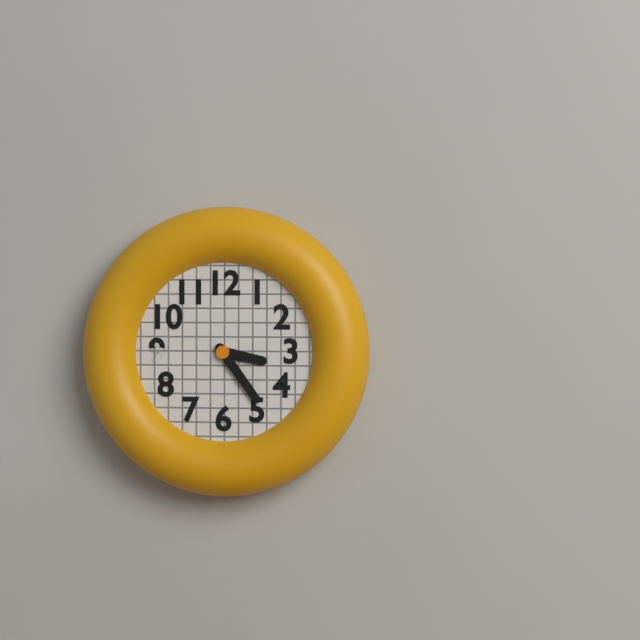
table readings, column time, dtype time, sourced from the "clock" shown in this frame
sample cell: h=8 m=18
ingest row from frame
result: h=3 m=24
